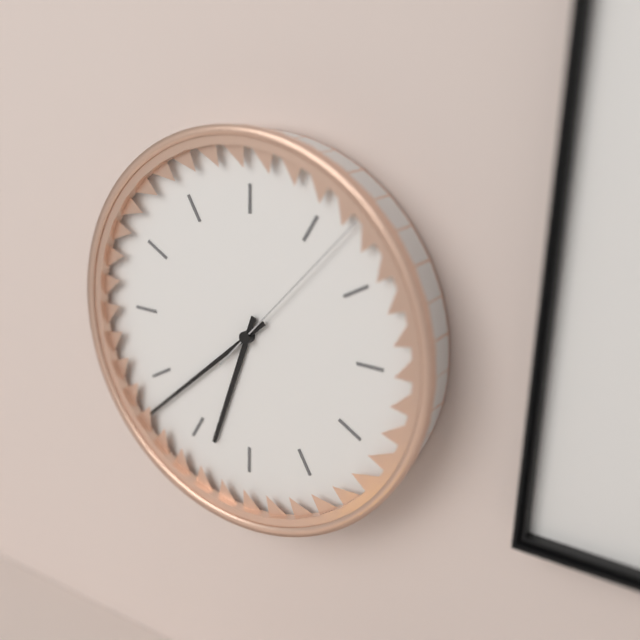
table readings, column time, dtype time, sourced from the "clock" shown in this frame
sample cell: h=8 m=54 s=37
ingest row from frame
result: h=6 m=38 s=7
